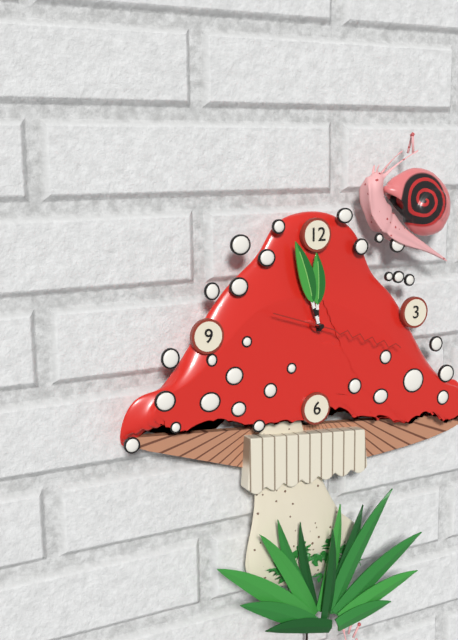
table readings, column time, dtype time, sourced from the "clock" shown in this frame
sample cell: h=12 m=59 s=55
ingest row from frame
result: h=11 m=57 s=18
